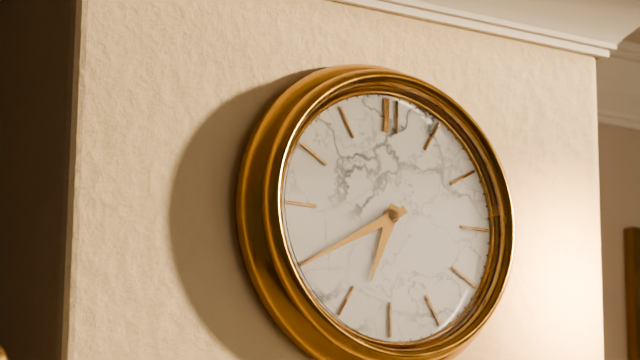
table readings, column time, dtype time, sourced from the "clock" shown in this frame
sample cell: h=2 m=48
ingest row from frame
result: h=6 m=40
